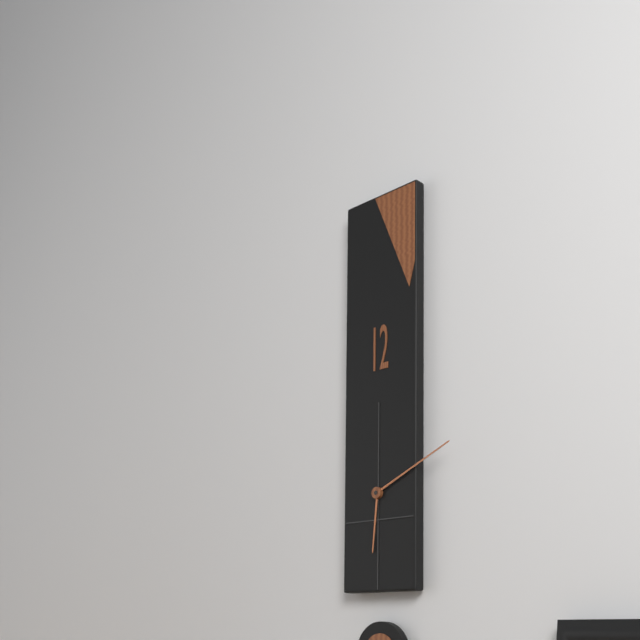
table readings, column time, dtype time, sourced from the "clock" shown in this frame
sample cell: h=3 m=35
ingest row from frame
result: h=6 m=11
